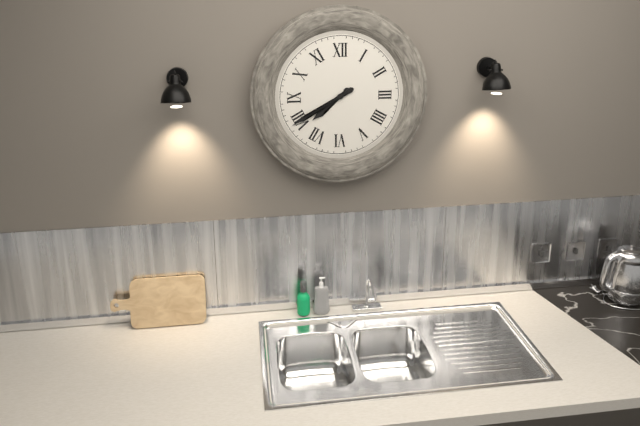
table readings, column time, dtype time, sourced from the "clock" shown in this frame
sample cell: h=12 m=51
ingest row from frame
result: h=7 m=40
